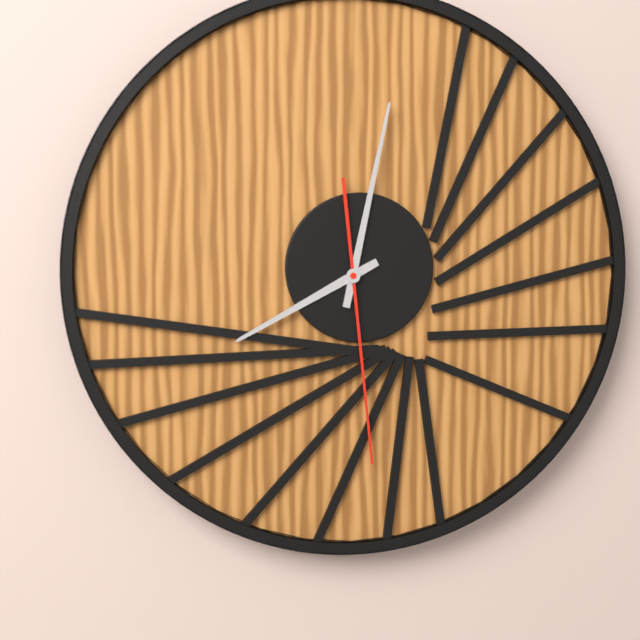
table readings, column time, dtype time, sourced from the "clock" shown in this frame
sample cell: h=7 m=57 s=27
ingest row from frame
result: h=8 m=2 s=29
